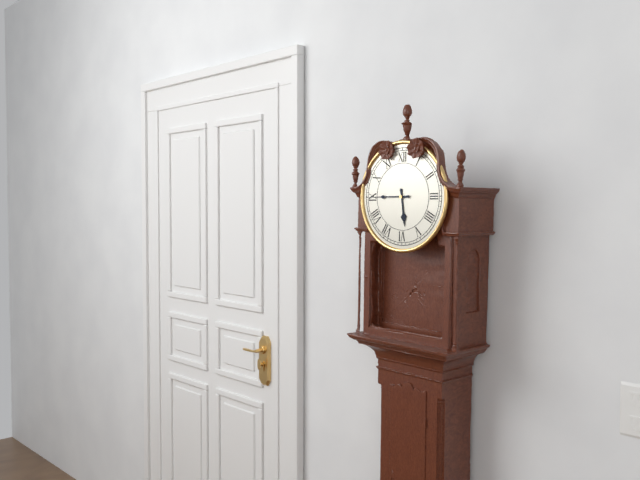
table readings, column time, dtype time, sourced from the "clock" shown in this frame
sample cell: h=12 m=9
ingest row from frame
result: h=5 m=45
